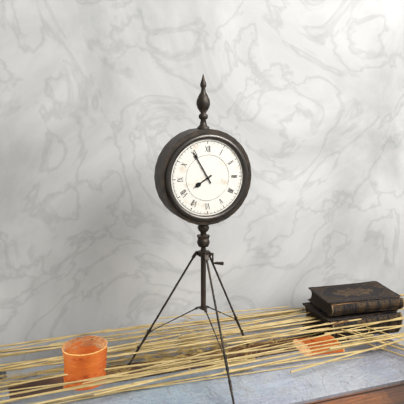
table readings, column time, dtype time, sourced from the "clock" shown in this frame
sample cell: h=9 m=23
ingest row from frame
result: h=7 m=55
